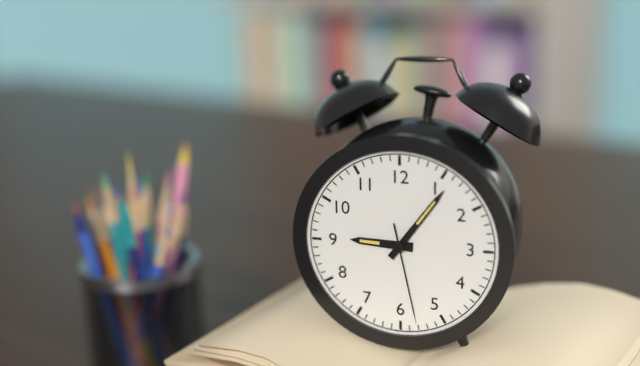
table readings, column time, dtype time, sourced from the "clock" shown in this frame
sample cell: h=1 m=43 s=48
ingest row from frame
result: h=9 m=6 s=28
